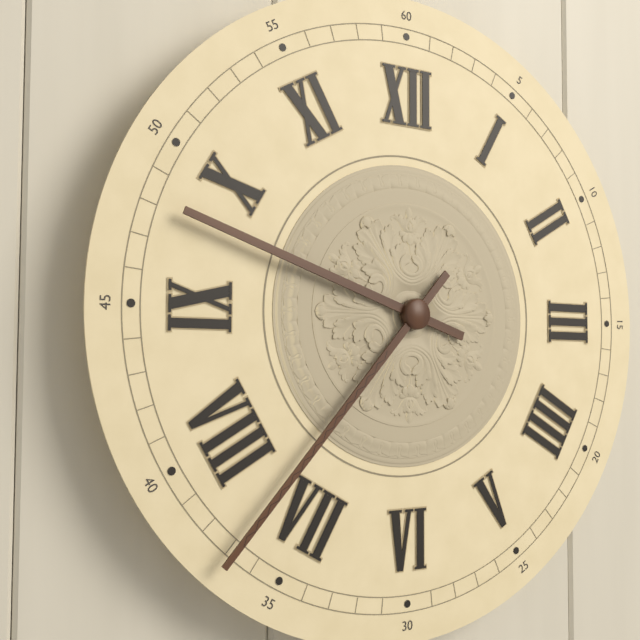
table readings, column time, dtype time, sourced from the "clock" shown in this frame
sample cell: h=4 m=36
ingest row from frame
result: h=9 m=37
